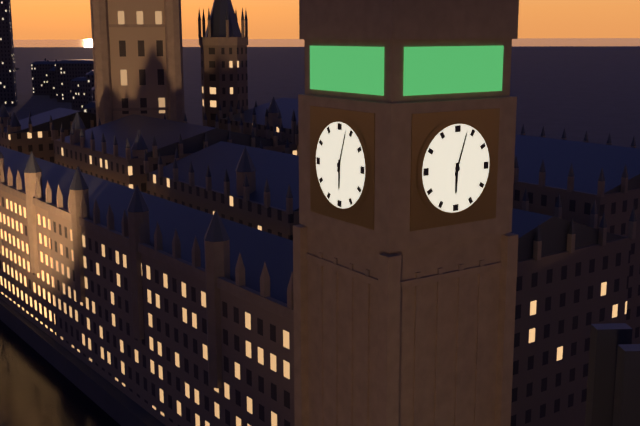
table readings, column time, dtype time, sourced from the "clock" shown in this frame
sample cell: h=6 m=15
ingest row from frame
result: h=6 m=3
